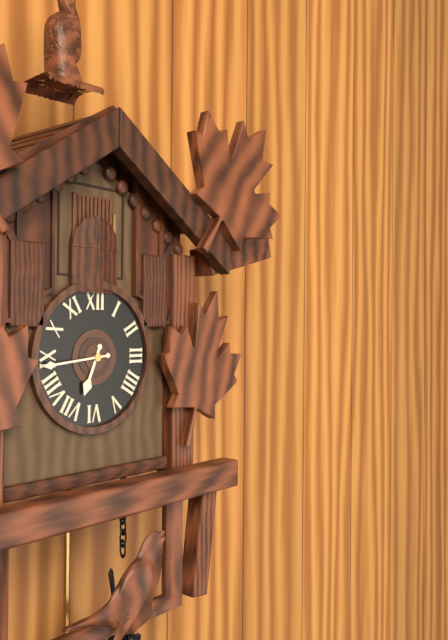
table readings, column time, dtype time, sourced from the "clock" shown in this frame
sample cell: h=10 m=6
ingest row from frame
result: h=6 m=44
